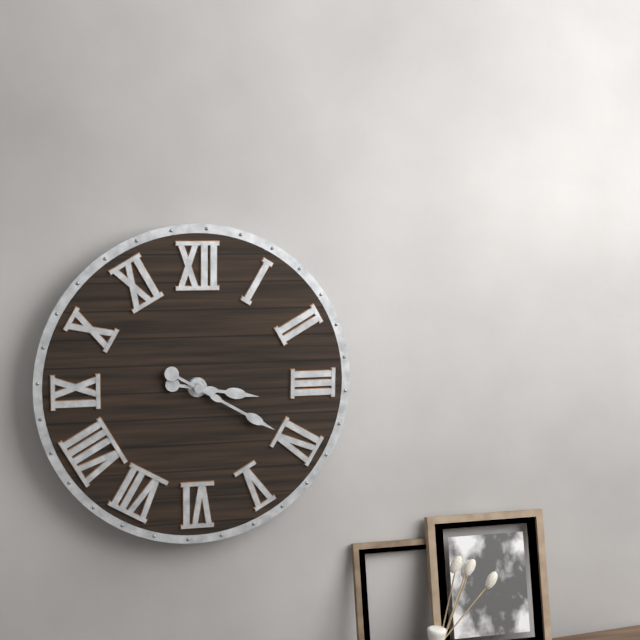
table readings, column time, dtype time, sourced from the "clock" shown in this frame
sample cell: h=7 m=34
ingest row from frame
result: h=3 m=20
